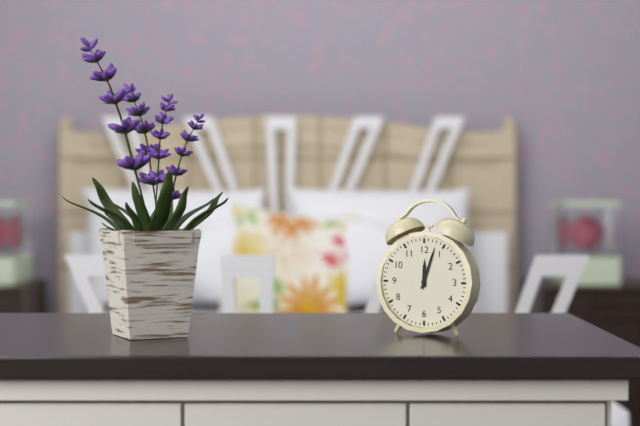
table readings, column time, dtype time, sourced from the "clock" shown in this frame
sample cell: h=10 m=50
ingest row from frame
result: h=12 m=3
